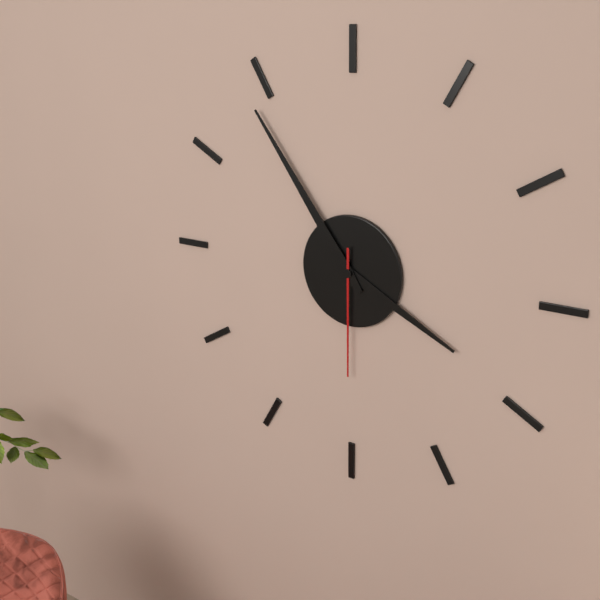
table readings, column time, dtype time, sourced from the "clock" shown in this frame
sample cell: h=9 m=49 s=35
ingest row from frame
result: h=3 m=54 s=30
